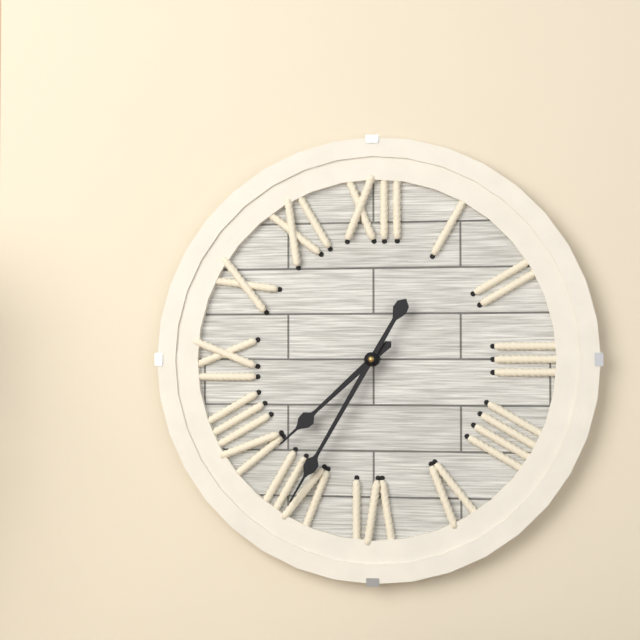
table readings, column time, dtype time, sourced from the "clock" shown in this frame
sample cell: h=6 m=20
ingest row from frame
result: h=7 m=35
